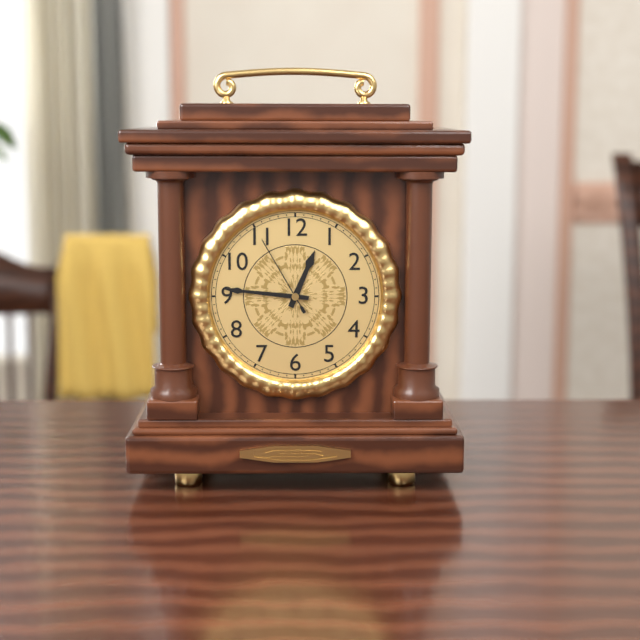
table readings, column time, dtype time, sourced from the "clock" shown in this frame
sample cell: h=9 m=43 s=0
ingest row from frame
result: h=12 m=46 s=55
